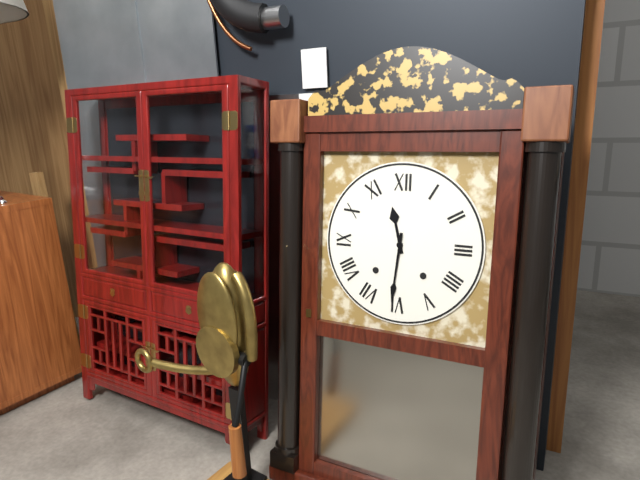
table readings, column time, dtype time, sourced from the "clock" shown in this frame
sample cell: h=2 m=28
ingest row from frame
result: h=11 m=31
